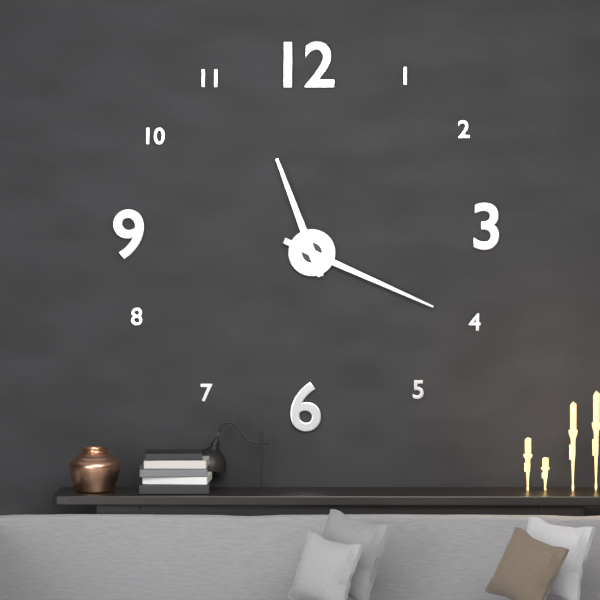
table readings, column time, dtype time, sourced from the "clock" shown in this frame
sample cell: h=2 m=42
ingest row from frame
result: h=11 m=19
